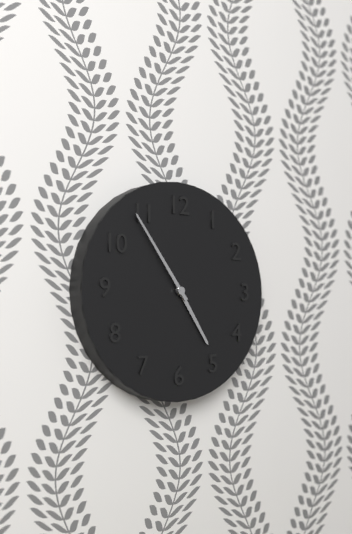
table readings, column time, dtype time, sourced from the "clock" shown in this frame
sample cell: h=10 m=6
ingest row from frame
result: h=4 m=54
